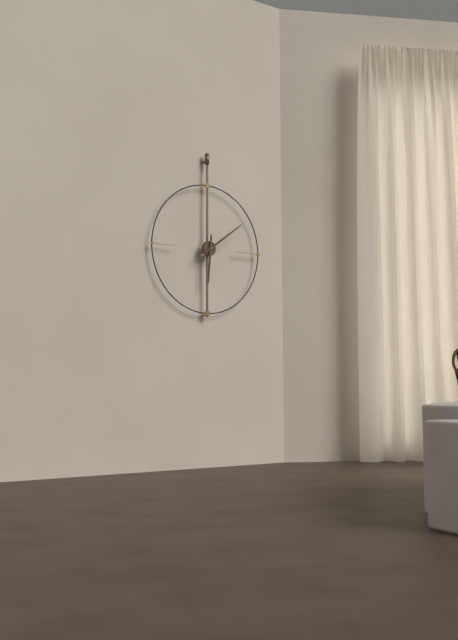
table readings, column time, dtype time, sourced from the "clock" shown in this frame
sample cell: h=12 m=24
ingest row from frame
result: h=6 m=9
